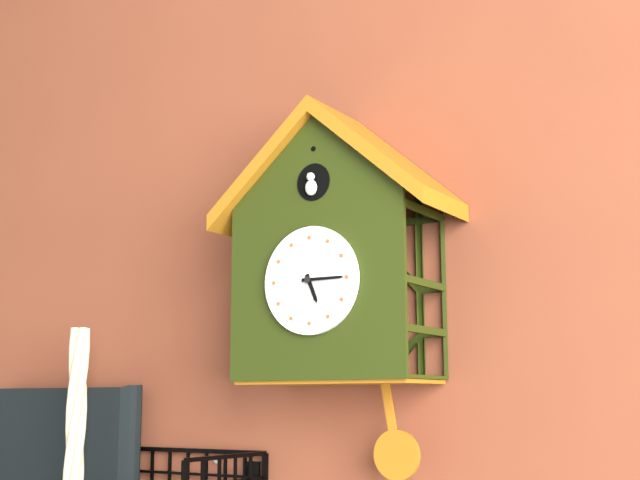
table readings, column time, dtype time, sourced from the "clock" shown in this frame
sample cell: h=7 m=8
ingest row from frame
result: h=5 m=15
